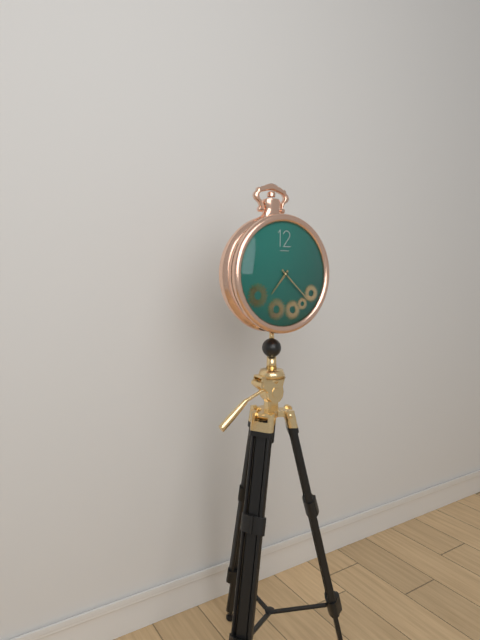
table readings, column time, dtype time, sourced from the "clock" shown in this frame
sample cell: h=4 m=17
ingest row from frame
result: h=7 m=22
